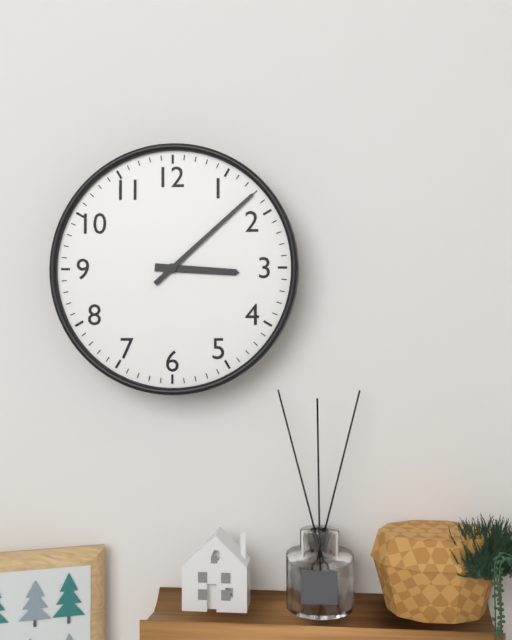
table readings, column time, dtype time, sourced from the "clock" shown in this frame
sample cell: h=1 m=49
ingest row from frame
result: h=3 m=8
